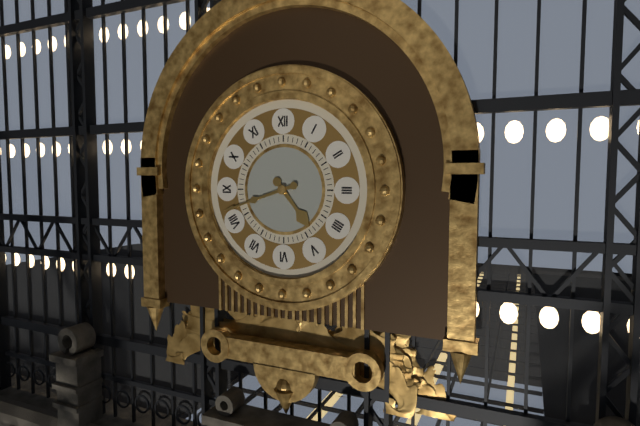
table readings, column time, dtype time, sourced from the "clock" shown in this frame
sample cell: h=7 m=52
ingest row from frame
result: h=4 m=42
